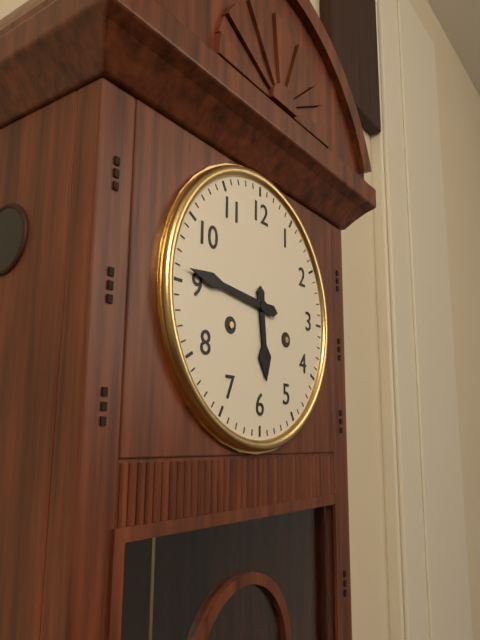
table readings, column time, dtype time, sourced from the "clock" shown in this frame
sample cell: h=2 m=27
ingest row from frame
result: h=5 m=46
